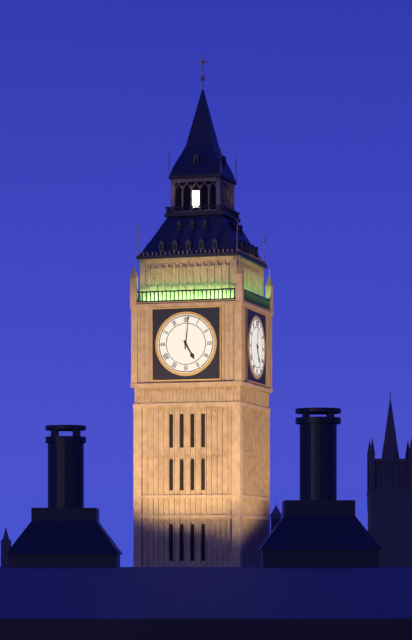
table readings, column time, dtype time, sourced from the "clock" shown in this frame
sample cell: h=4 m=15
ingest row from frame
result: h=5 m=1
